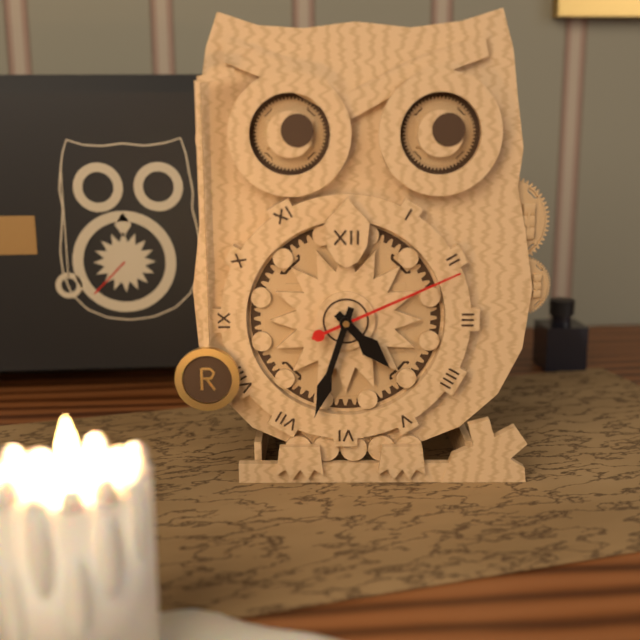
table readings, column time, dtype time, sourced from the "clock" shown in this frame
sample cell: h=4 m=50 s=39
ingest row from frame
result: h=4 m=33 s=11
